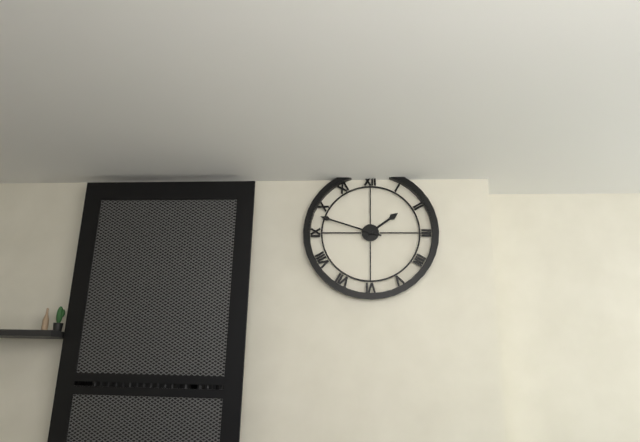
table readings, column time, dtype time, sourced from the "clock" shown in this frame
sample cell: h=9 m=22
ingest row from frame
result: h=1 m=48
